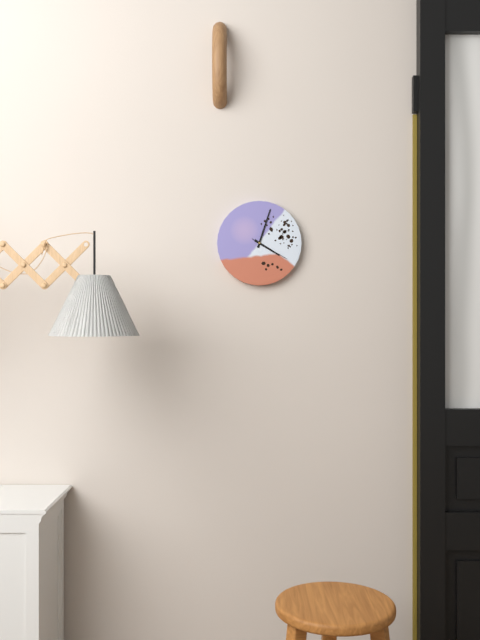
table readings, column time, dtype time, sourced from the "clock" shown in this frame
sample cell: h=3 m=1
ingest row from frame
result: h=4 m=3
